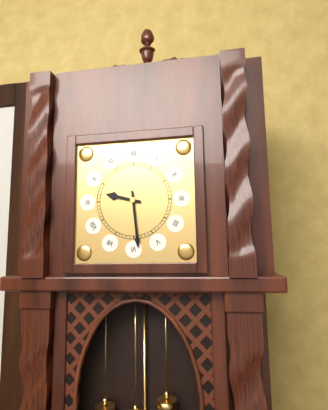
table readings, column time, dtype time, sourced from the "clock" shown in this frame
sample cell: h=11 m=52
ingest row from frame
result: h=9 m=29
